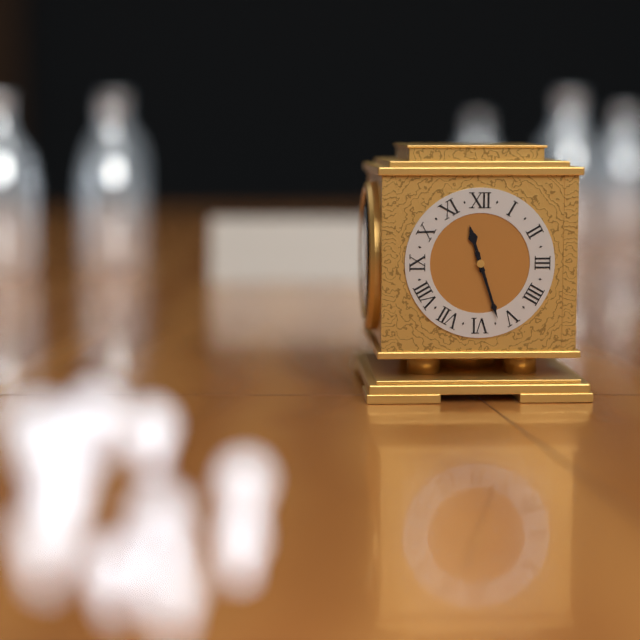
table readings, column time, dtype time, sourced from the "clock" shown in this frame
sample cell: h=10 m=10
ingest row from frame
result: h=11 m=27
